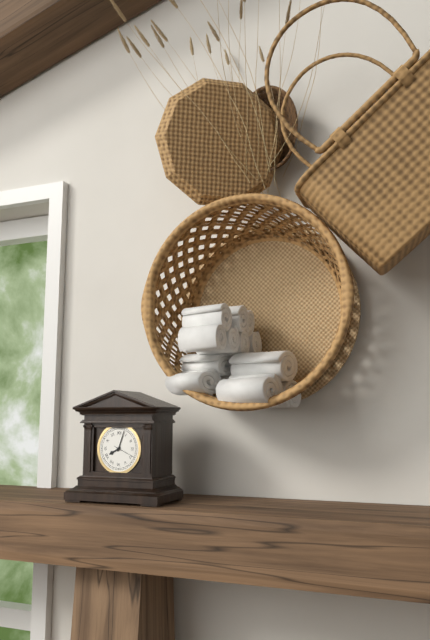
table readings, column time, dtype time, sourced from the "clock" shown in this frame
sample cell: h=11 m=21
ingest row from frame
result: h=8 m=3
